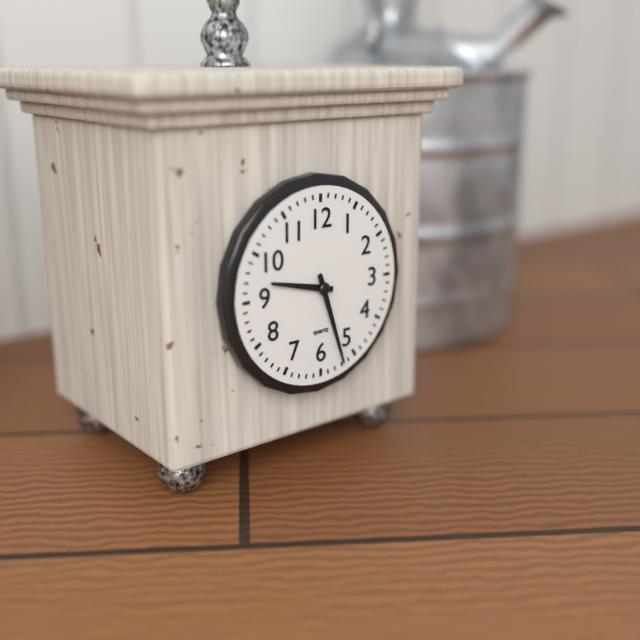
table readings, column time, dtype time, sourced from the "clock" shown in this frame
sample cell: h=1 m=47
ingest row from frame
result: h=9 m=27
